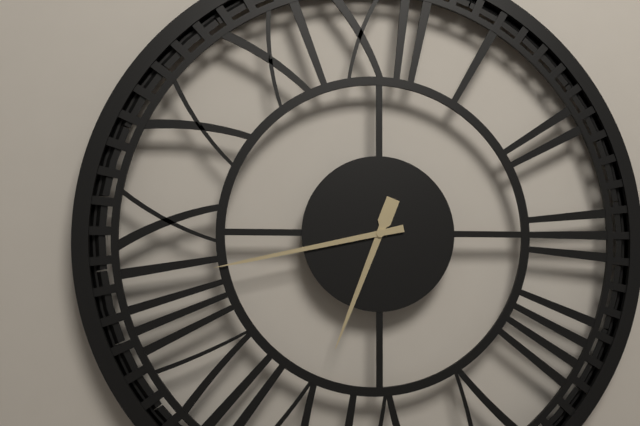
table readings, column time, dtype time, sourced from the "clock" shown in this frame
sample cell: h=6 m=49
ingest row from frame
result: h=6 m=43
